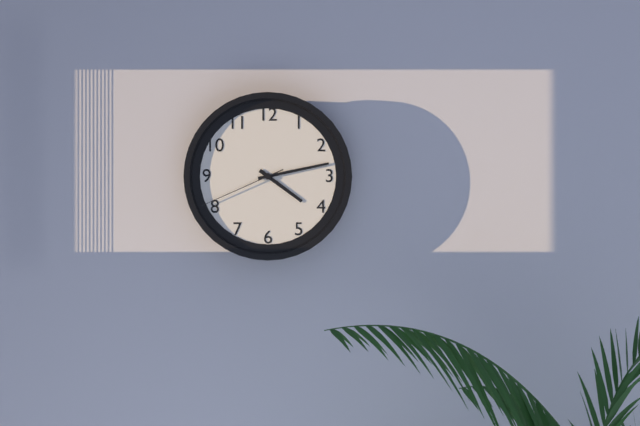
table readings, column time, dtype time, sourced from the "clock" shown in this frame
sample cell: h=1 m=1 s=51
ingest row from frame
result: h=4 m=13 s=41
